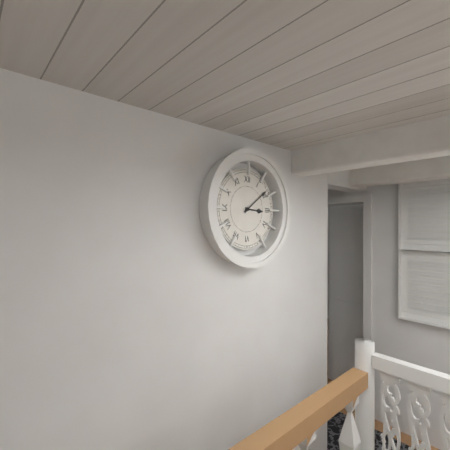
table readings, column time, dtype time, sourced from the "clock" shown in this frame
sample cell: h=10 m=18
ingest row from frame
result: h=3 m=9
